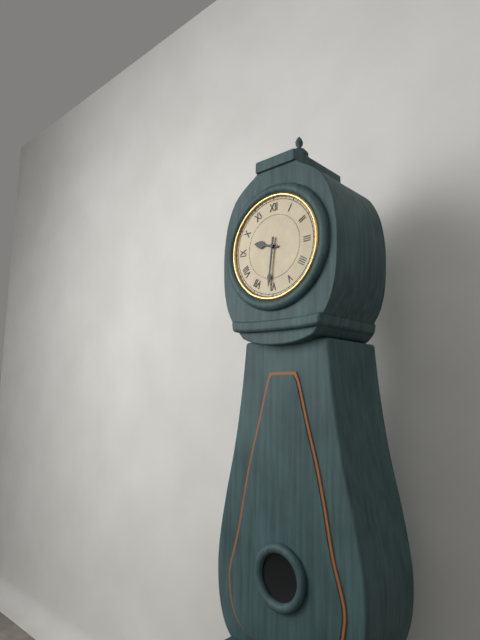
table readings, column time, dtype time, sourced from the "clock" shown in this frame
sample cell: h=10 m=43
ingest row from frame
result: h=9 m=31
